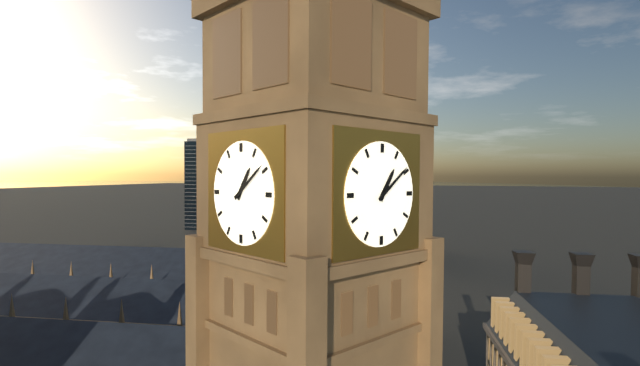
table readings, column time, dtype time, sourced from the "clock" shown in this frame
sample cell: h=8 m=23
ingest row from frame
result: h=1 m=9
